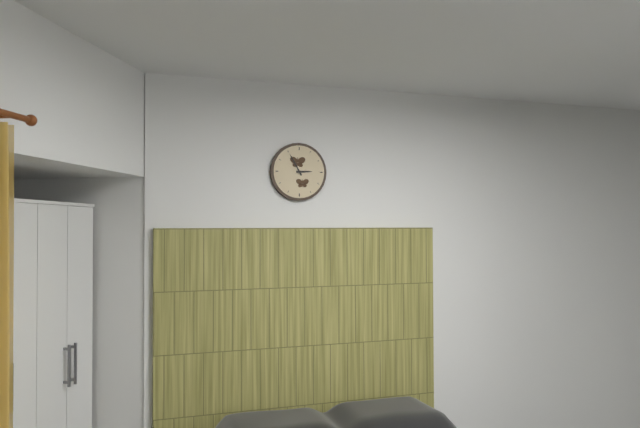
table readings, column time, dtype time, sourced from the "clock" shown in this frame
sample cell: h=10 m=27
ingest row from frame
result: h=2 m=55
